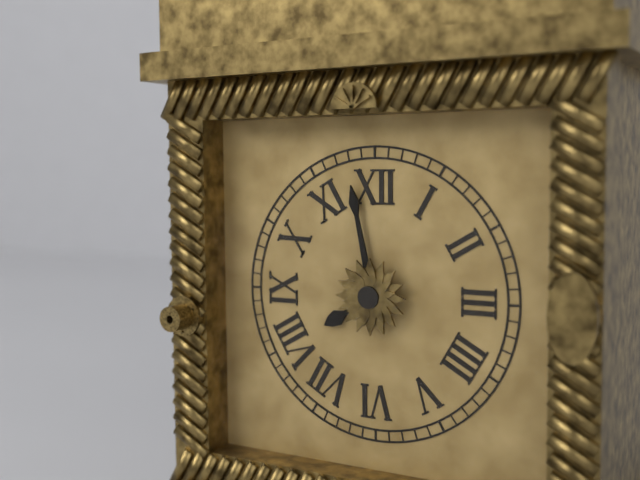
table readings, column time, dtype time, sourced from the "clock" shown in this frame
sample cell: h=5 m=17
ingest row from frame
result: h=7 m=58
